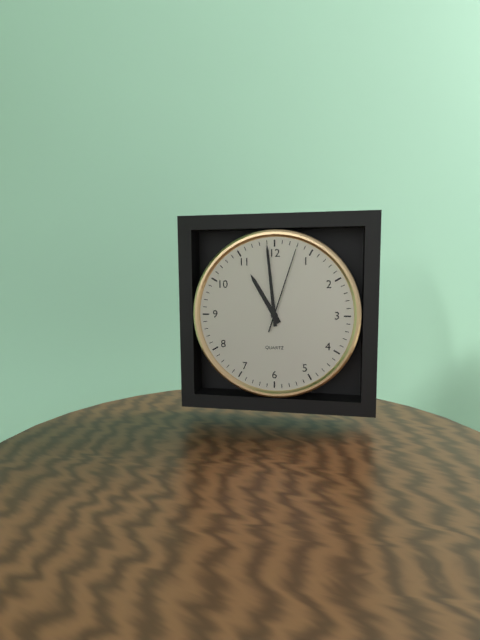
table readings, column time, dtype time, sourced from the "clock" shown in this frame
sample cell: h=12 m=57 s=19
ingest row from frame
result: h=10 m=59 s=3
